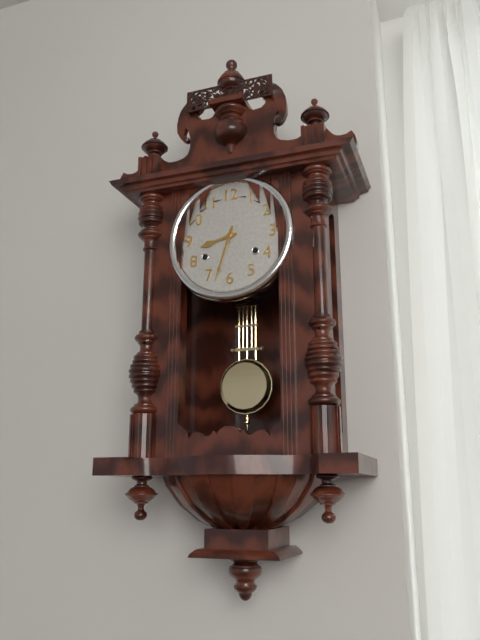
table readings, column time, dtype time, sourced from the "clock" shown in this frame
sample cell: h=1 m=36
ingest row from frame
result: h=8 m=33
